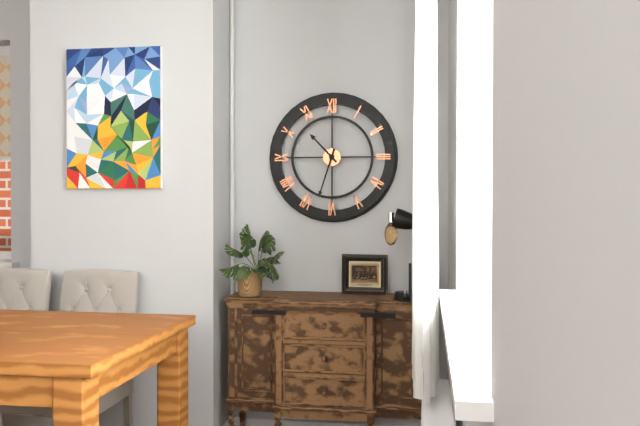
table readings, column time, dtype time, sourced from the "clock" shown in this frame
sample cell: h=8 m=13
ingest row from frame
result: h=10 m=33
